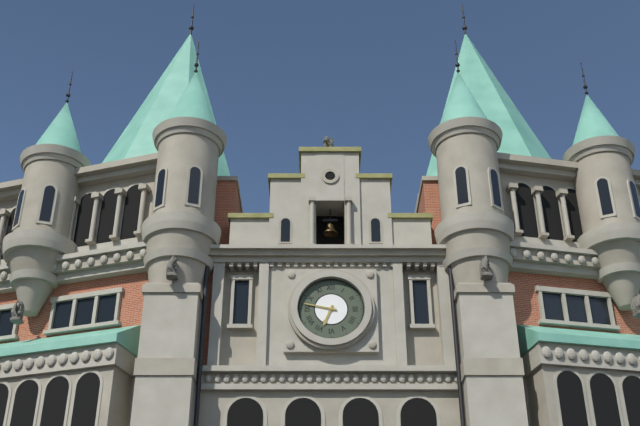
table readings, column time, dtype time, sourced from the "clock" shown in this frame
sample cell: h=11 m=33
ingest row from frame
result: h=6 m=47
